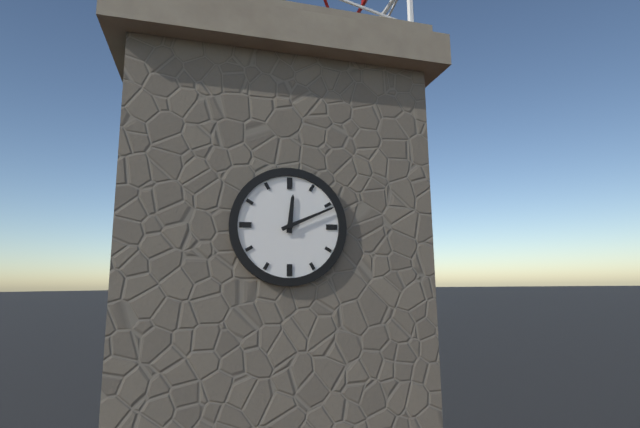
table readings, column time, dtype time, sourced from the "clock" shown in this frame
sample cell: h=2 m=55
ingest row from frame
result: h=12 m=11
